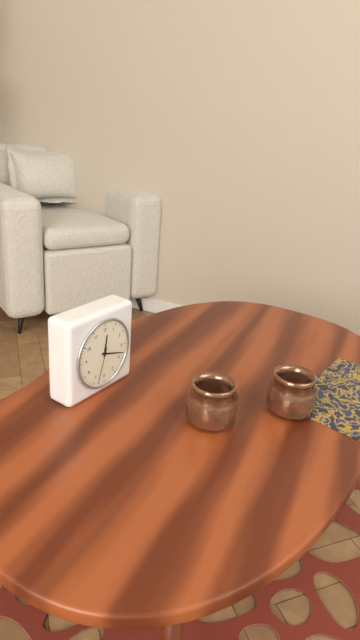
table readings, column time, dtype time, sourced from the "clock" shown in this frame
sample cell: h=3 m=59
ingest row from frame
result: h=12 m=18
